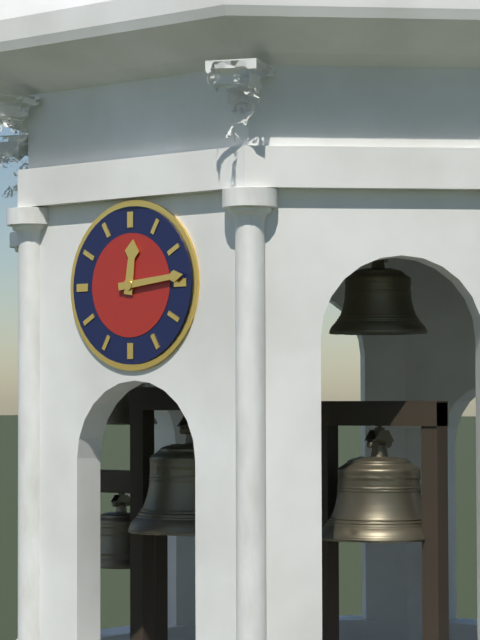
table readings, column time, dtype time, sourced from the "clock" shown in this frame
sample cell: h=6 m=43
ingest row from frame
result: h=12 m=14
